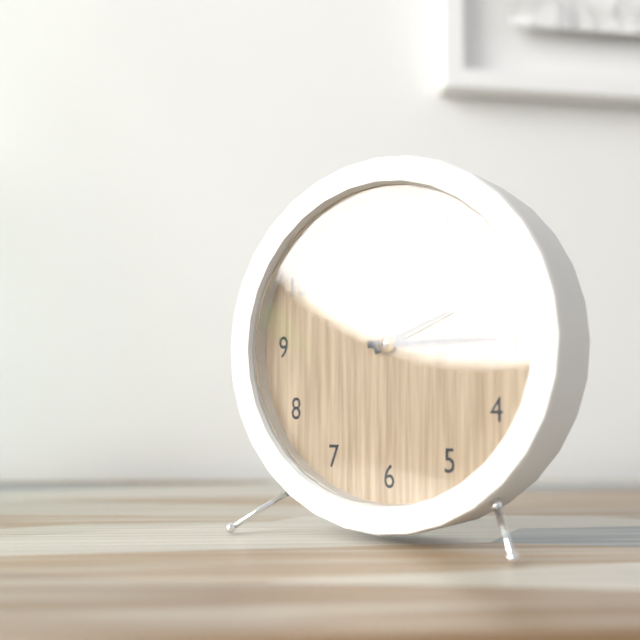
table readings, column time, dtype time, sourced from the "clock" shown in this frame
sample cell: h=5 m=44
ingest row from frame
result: h=2 m=15
